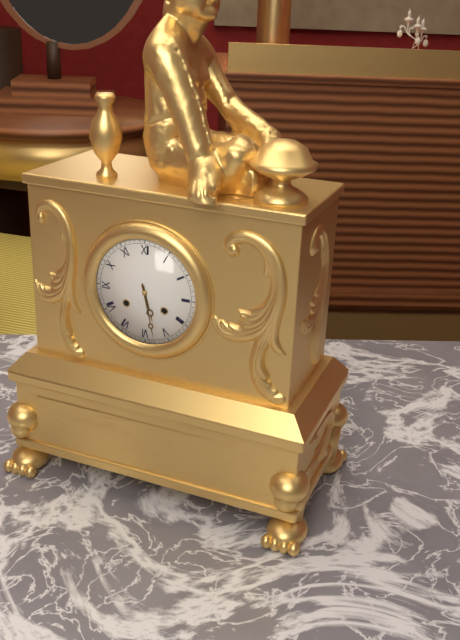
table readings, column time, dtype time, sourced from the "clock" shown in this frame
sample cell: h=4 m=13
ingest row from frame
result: h=5 m=28
